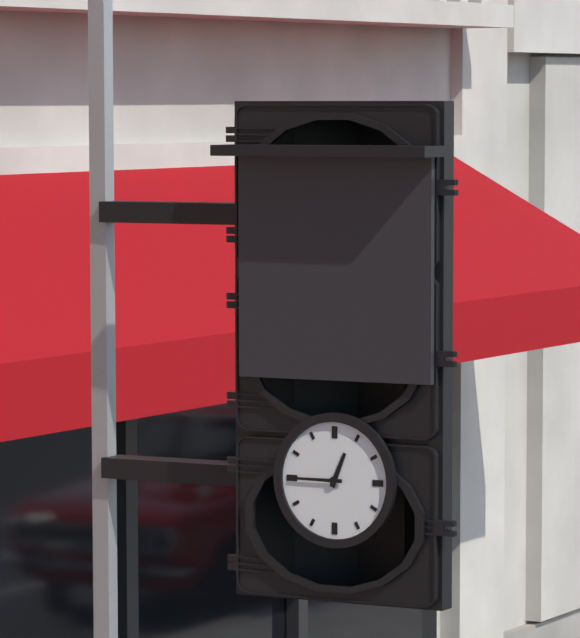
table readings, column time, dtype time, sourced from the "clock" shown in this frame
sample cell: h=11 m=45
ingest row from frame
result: h=12 m=45
